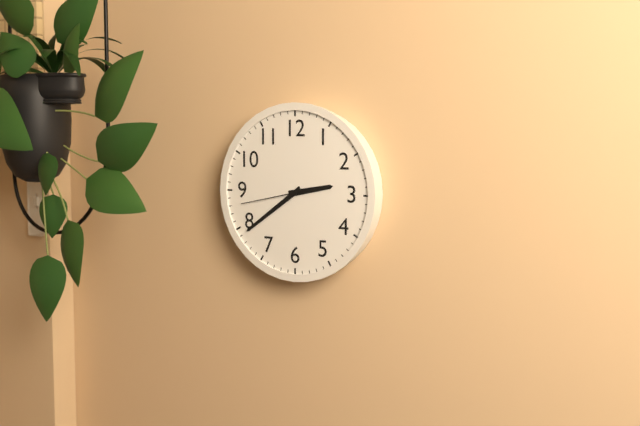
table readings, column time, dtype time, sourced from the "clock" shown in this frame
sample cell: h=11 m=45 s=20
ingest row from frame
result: h=2 m=39 s=43
